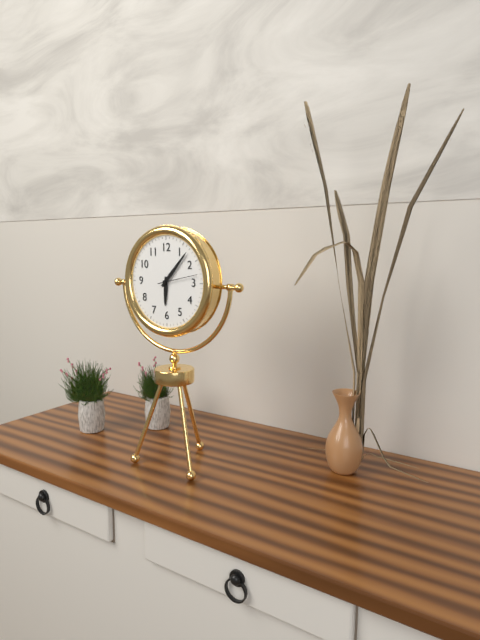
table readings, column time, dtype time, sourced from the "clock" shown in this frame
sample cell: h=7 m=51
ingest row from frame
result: h=6 m=7
